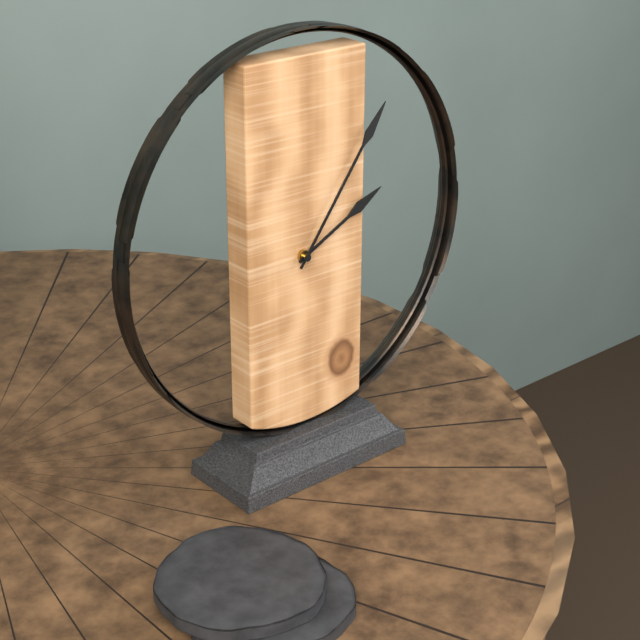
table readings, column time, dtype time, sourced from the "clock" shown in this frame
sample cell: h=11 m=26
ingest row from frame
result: h=2 m=6
